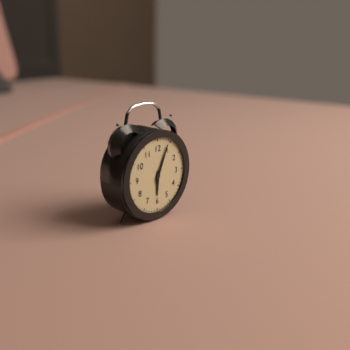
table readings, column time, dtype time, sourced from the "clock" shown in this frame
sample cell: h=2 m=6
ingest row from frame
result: h=6 m=4
